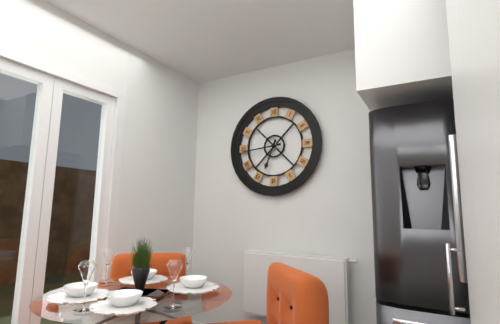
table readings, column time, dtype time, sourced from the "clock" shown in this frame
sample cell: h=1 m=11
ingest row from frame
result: h=6 m=44
